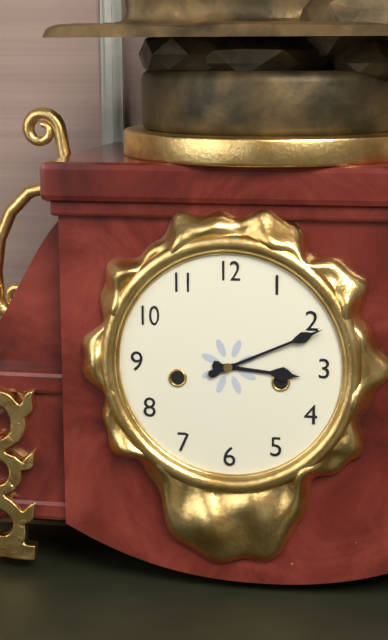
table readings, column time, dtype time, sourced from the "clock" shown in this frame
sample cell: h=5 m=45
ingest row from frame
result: h=3 m=11
